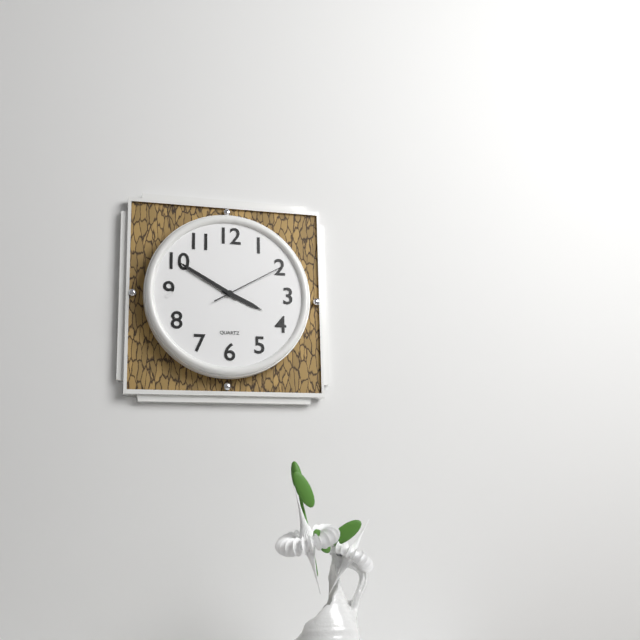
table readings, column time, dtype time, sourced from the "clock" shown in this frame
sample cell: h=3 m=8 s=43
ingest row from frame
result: h=3 m=50 s=10
